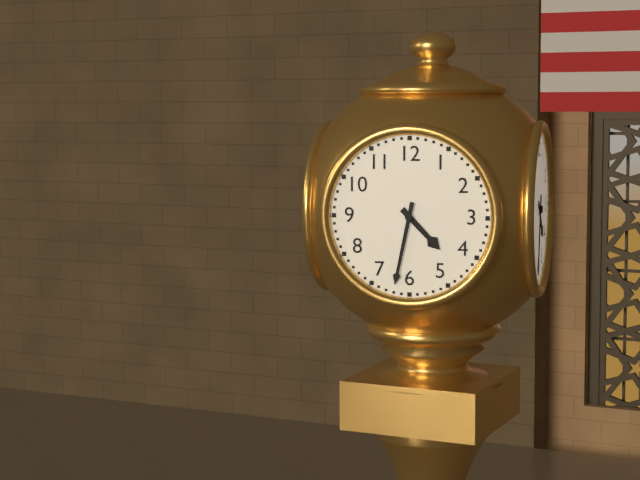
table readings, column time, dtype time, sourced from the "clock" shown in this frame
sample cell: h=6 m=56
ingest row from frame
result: h=4 m=32
